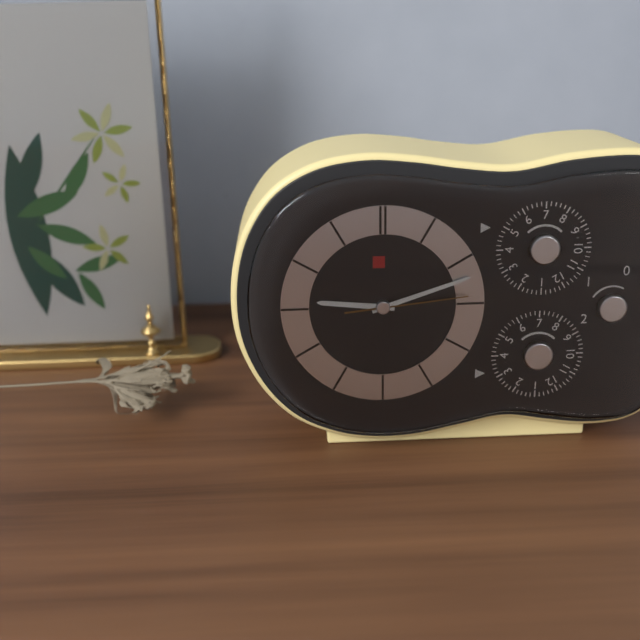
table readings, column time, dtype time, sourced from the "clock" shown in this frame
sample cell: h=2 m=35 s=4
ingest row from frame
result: h=9 m=12 s=14
